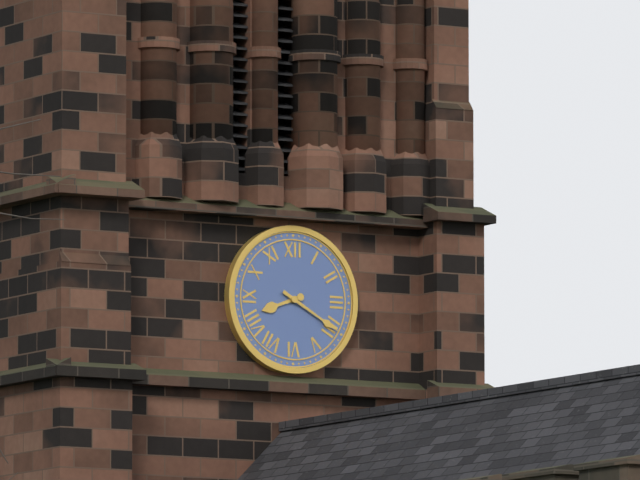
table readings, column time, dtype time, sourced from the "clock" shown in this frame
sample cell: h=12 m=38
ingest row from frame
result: h=8 m=20
